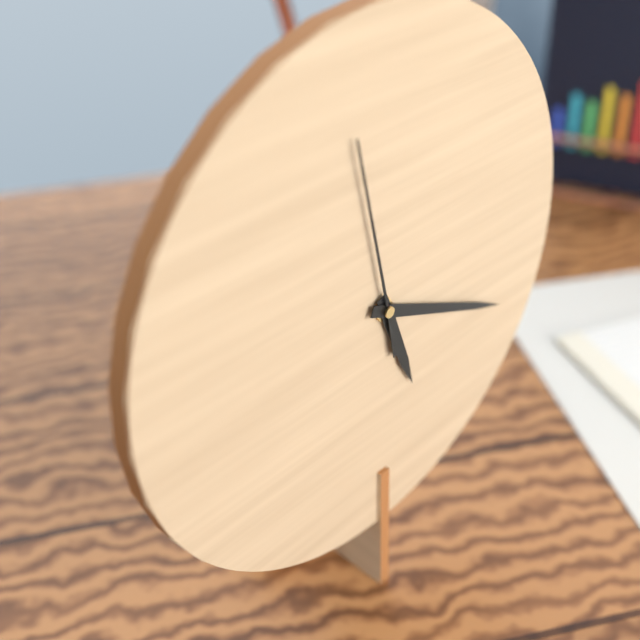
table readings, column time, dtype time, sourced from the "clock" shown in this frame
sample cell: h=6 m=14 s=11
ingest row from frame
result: h=5 m=19 s=58
